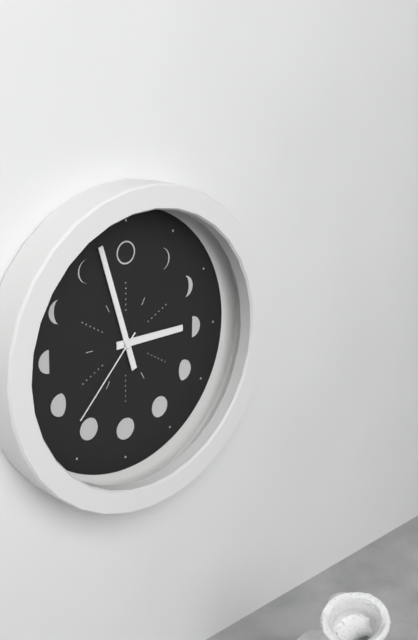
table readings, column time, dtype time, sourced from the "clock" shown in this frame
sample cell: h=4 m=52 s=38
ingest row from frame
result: h=2 m=57 s=37
